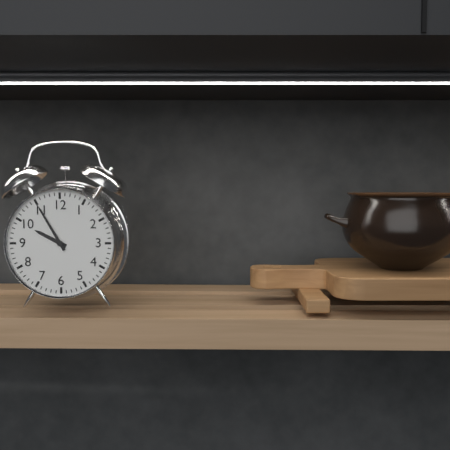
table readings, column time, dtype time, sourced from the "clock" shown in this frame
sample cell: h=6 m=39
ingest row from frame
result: h=9 m=55
